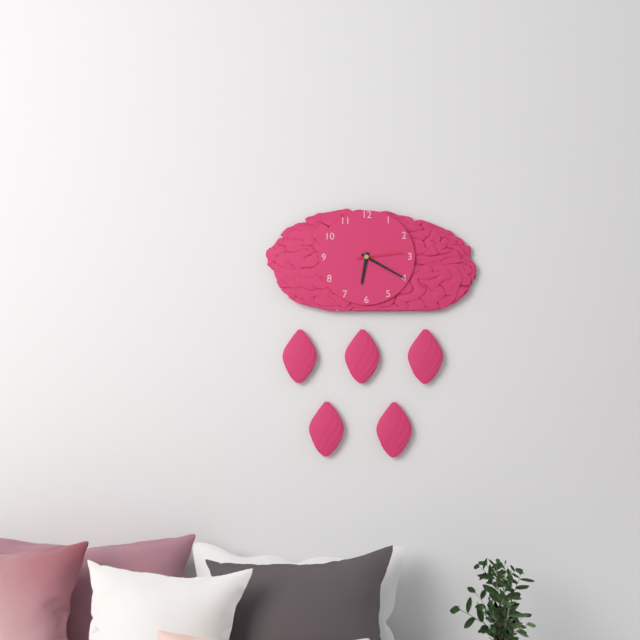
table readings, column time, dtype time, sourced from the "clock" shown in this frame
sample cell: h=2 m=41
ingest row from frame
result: h=6 m=20
